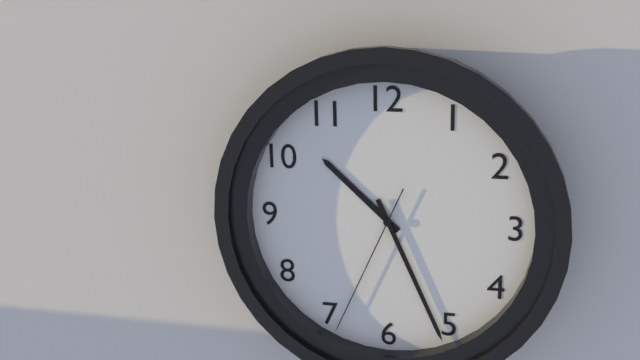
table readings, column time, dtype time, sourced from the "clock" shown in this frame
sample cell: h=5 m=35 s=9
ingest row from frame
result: h=10 m=26 s=34
